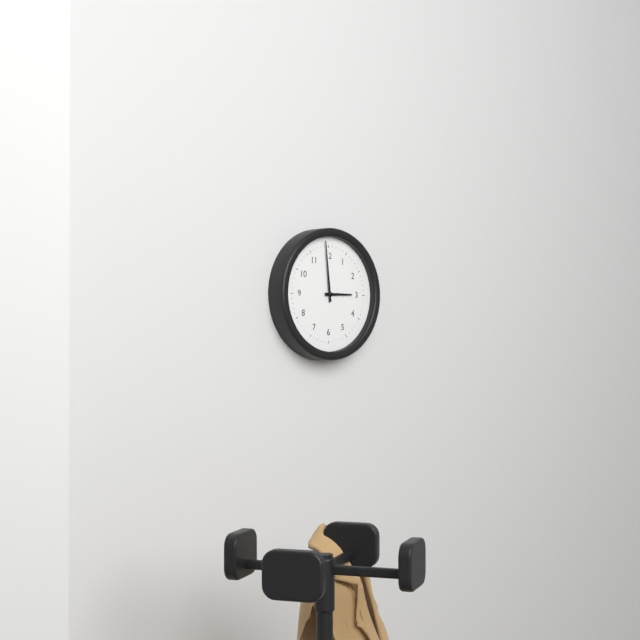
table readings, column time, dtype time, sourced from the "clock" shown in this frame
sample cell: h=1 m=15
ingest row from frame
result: h=2 m=59
